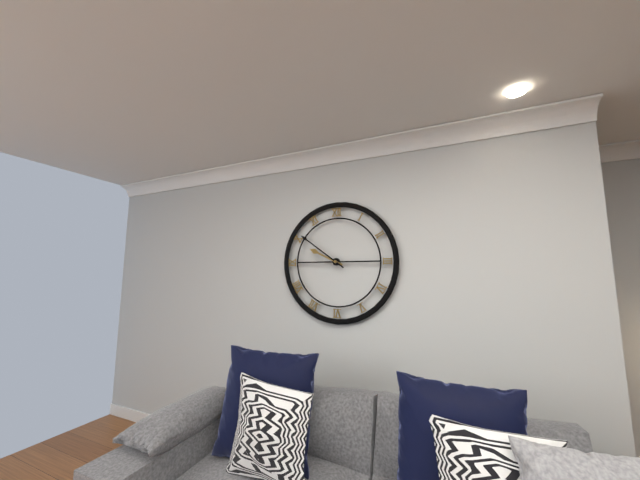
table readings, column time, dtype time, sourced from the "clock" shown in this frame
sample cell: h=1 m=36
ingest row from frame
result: h=9 m=51
